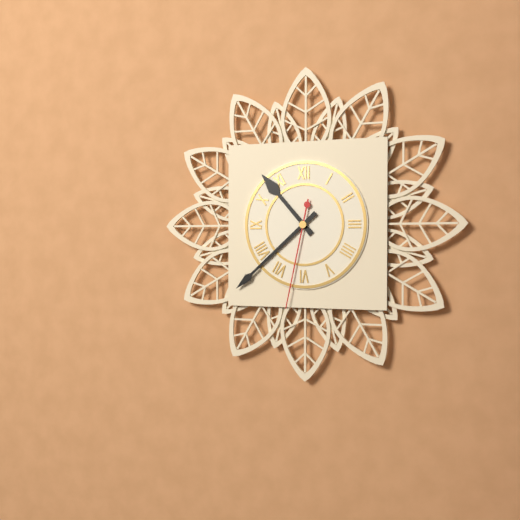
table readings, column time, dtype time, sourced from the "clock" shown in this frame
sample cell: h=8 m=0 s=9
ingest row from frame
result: h=10 m=38 s=32
